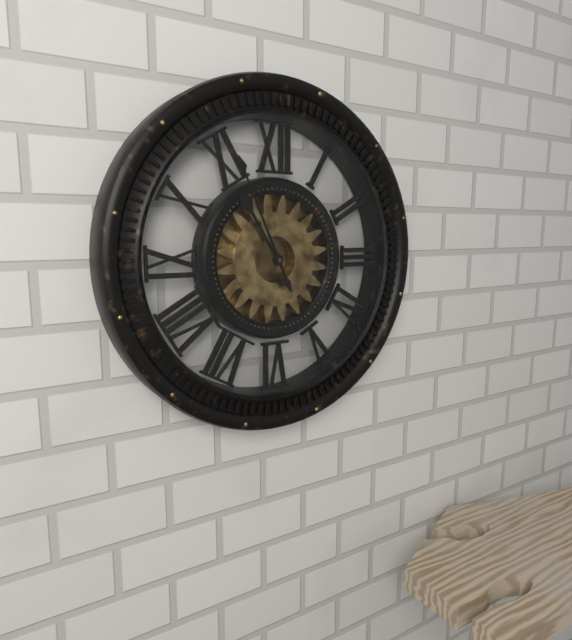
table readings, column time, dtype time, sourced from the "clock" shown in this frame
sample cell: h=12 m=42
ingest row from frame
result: h=10 m=56
